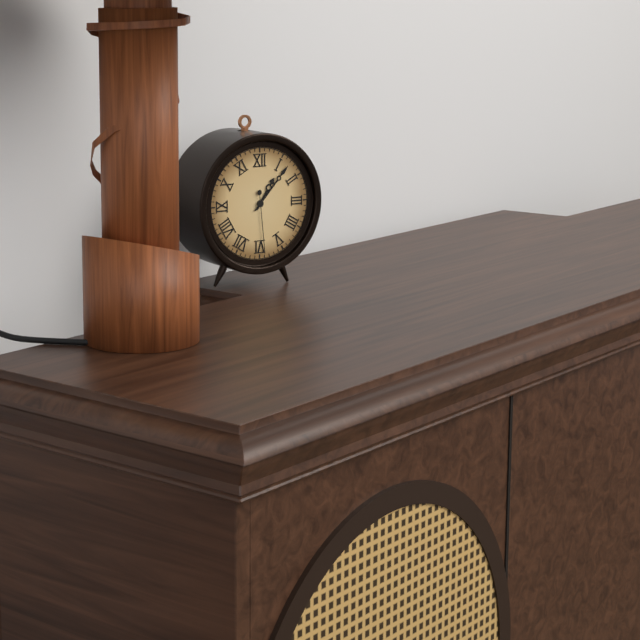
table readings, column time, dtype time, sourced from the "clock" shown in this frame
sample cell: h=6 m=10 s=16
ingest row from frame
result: h=1 m=7 s=29
